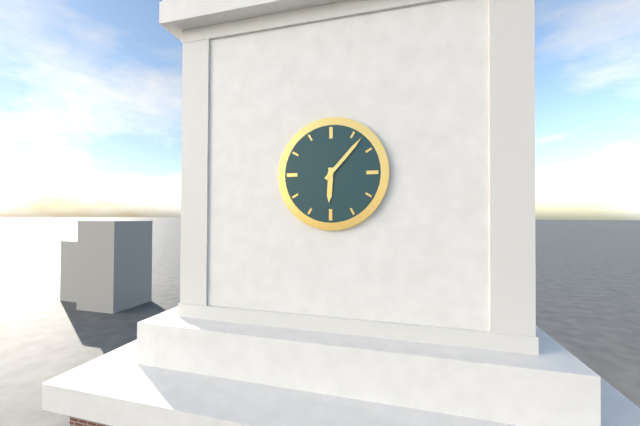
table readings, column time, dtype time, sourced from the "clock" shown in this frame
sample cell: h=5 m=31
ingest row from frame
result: h=6 m=7
